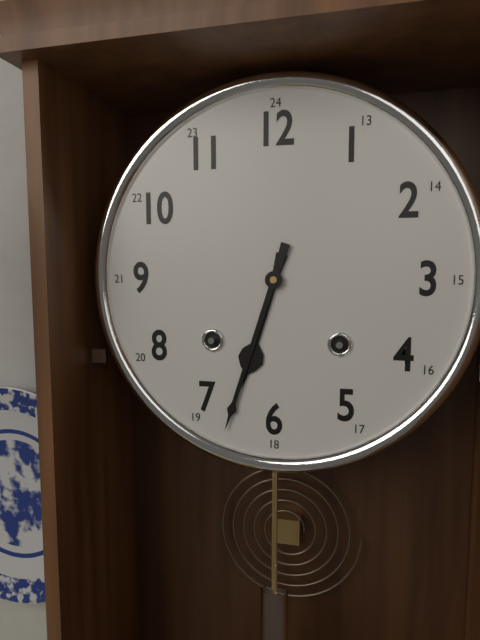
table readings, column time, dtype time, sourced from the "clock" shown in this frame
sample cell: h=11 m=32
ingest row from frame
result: h=6 m=33
